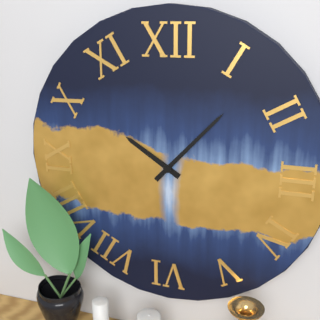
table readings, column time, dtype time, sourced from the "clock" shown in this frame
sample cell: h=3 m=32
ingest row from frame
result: h=10 m=7
